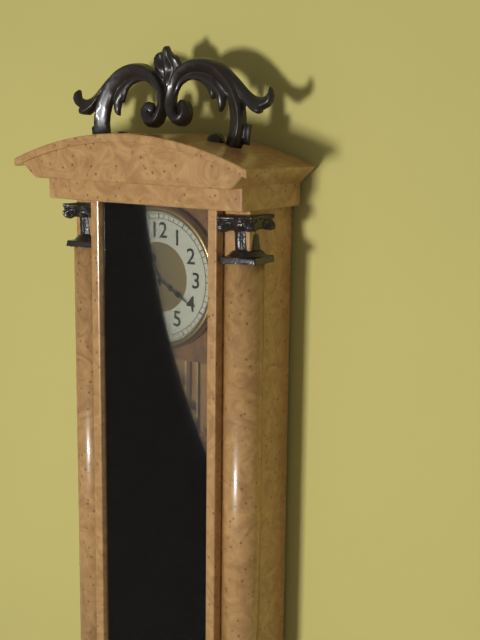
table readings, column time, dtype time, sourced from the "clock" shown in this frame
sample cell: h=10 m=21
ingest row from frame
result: h=11 m=20
